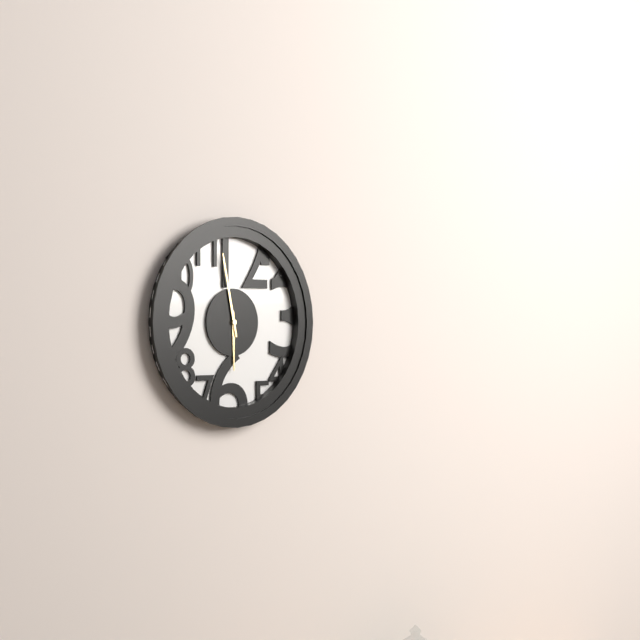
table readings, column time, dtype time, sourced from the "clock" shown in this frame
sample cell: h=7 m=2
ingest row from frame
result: h=5 m=58
